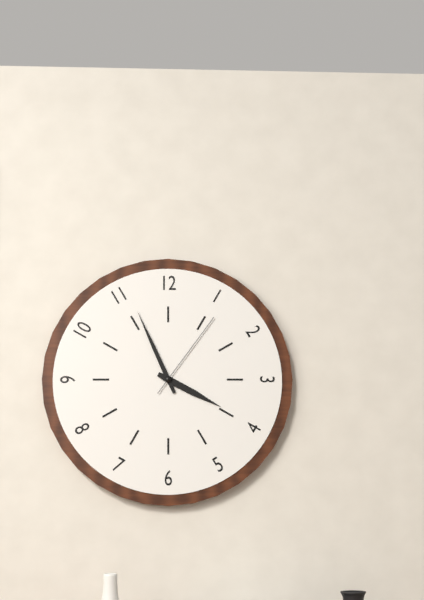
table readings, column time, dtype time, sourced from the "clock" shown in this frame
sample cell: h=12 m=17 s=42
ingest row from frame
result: h=3 m=56 s=6
